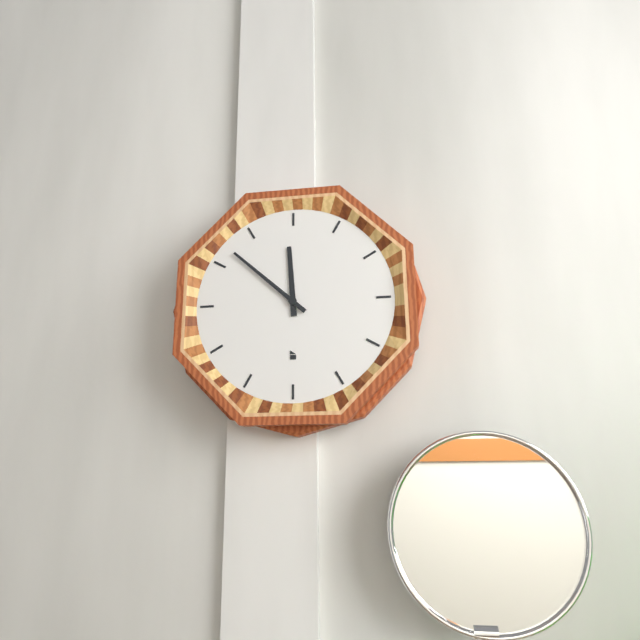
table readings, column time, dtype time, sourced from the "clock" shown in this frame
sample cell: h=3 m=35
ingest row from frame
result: h=11 m=52
